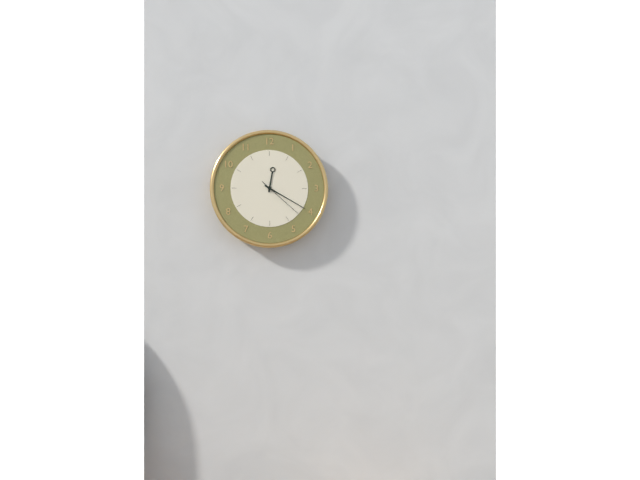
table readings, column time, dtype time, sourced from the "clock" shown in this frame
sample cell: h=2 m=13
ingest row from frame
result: h=12 m=20
